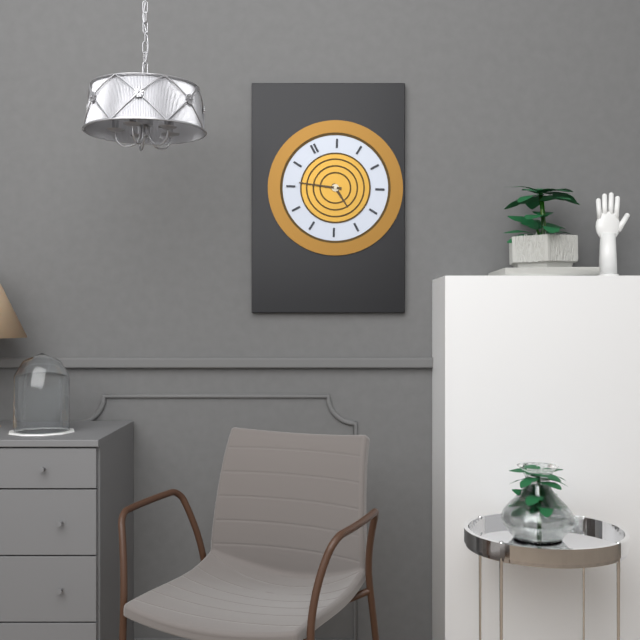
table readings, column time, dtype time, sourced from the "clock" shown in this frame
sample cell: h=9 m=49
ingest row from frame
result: h=5 m=51
